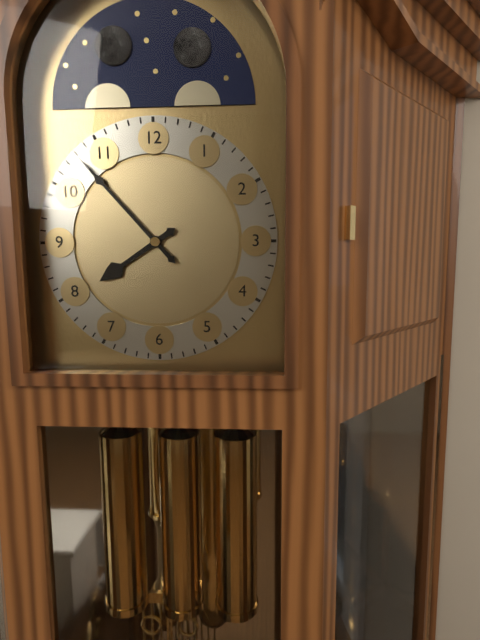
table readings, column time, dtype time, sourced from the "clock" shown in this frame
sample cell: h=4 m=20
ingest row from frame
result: h=7 m=53
